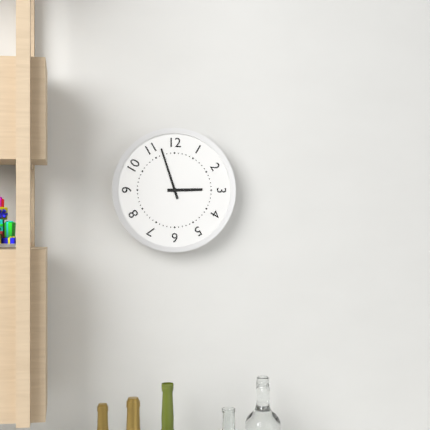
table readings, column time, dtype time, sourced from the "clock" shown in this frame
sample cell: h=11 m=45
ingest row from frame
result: h=2 m=57
